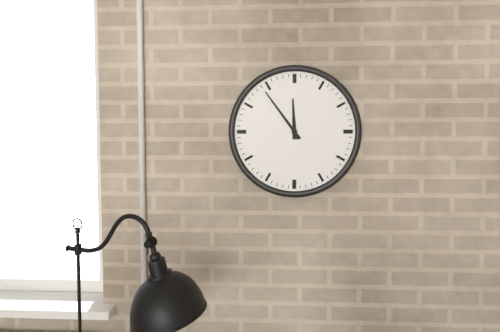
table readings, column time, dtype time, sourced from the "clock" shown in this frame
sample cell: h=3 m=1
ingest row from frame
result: h=11 m=54
